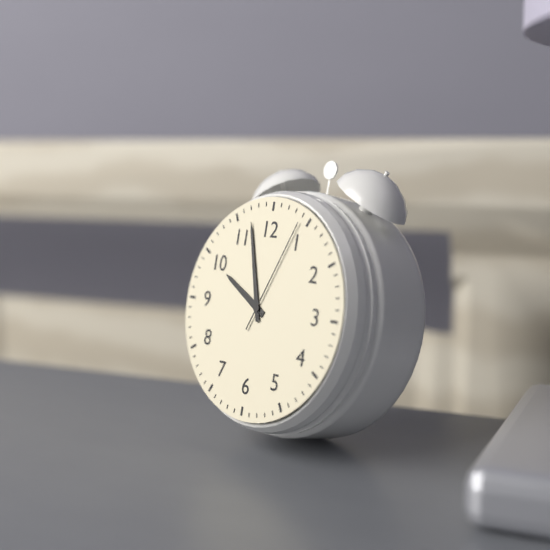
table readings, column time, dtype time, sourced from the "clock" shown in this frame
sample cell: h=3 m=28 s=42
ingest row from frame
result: h=9 m=57 s=4
